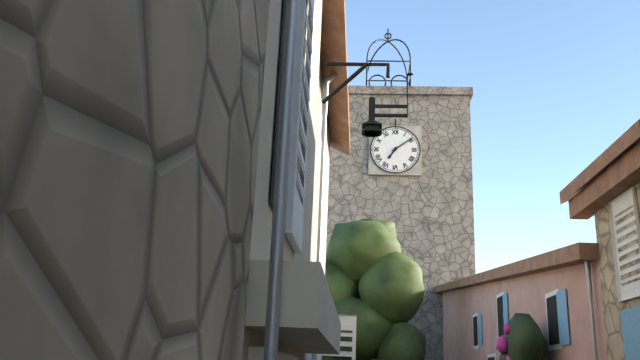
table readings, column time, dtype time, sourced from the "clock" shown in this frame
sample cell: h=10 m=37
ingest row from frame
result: h=7 m=9
